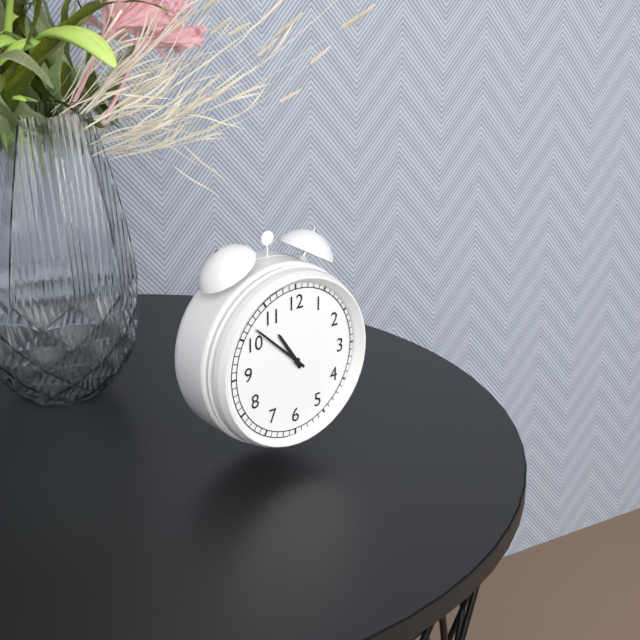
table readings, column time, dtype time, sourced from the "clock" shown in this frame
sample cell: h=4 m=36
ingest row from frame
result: h=10 m=52
